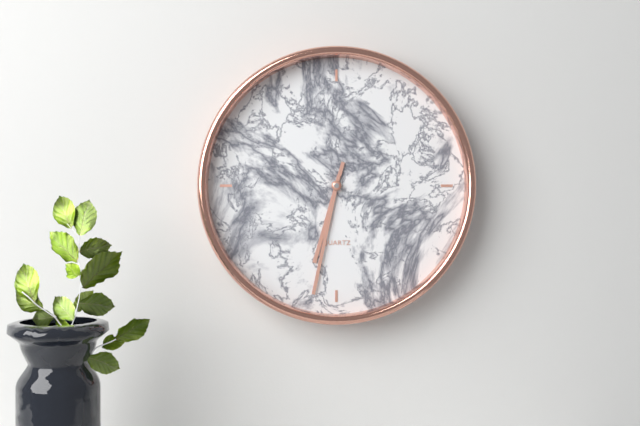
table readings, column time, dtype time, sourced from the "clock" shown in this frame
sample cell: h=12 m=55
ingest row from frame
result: h=6 m=32
